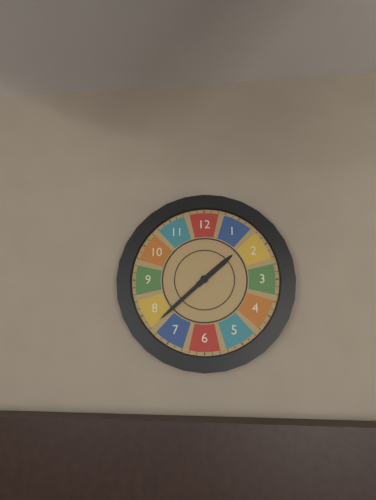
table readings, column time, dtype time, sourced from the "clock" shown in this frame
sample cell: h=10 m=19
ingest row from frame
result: h=1 m=38
